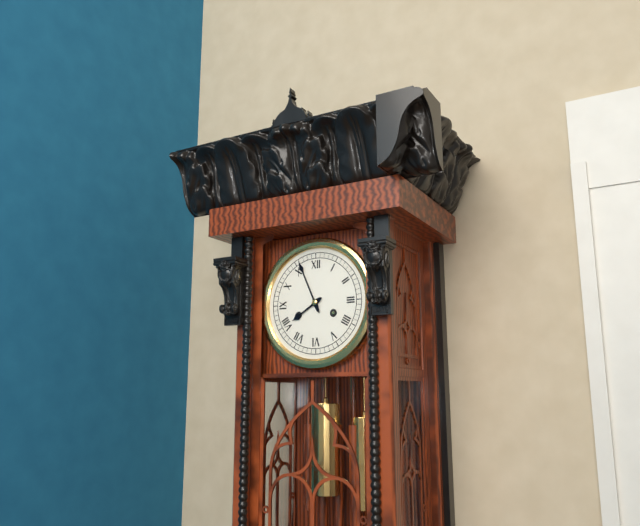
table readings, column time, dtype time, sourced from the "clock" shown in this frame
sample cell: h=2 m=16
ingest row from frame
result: h=7 m=56
